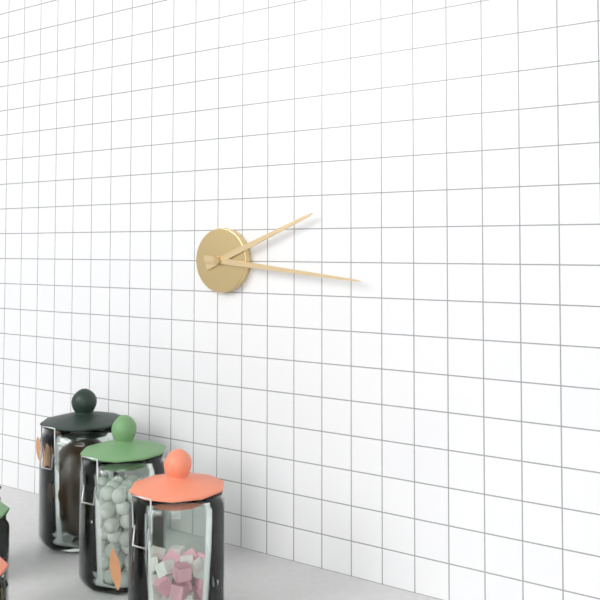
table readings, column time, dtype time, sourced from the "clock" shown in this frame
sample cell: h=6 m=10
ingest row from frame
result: h=2 m=16
